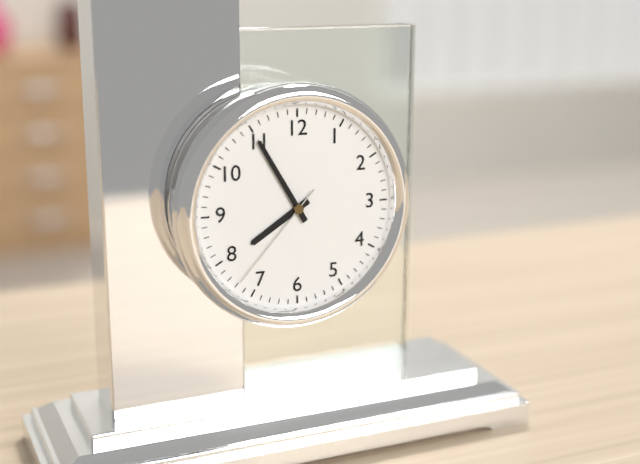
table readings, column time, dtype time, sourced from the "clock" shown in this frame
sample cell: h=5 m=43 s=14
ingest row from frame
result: h=7 m=55 s=37
